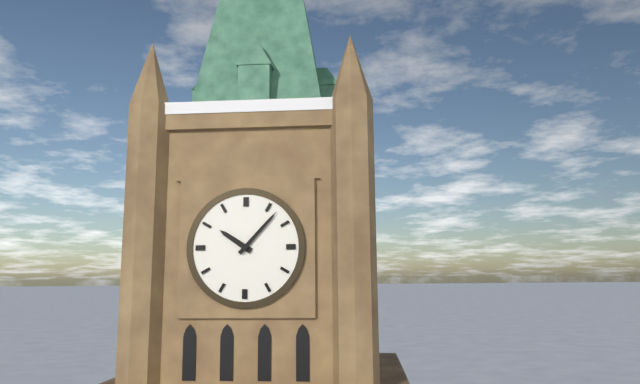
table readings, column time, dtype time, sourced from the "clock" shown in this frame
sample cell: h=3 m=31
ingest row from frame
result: h=10 m=7
